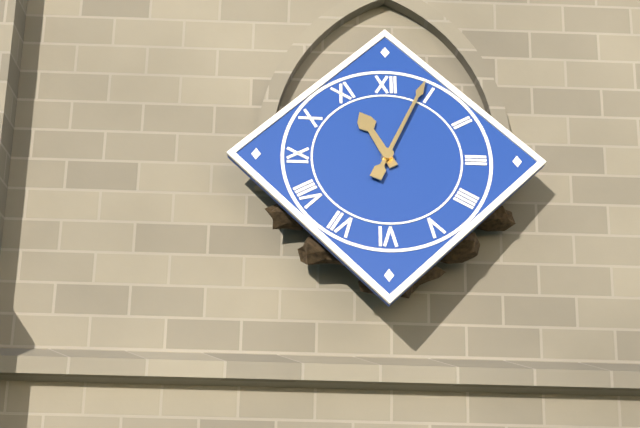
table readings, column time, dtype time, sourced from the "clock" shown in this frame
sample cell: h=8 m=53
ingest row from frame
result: h=11 m=4
